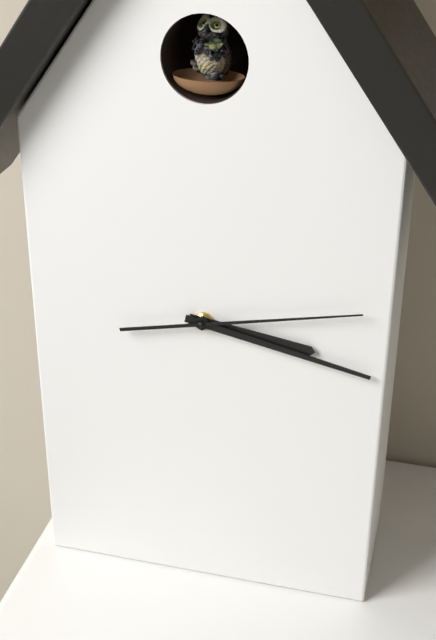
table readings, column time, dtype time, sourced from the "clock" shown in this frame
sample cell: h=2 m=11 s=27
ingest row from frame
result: h=3 m=17 s=13
